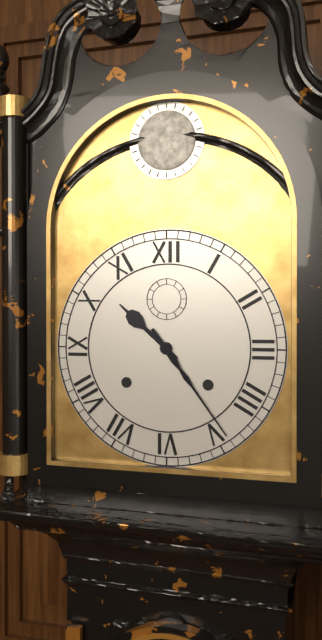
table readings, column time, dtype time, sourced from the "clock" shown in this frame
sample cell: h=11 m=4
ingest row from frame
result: h=10 m=24
